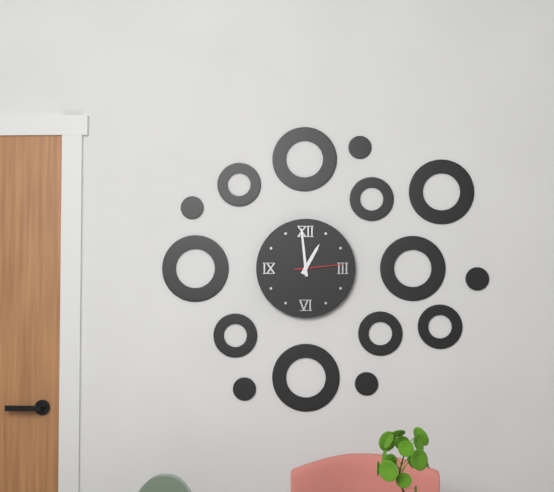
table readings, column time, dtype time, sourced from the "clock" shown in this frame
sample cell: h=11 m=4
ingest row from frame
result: h=12 m=59
